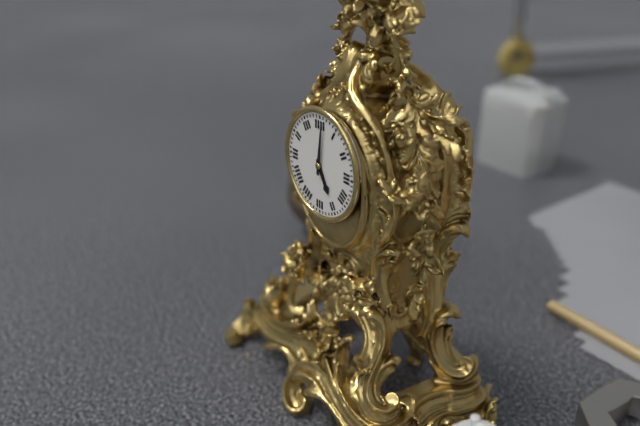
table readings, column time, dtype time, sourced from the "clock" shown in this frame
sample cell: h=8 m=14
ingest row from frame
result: h=5 m=1
